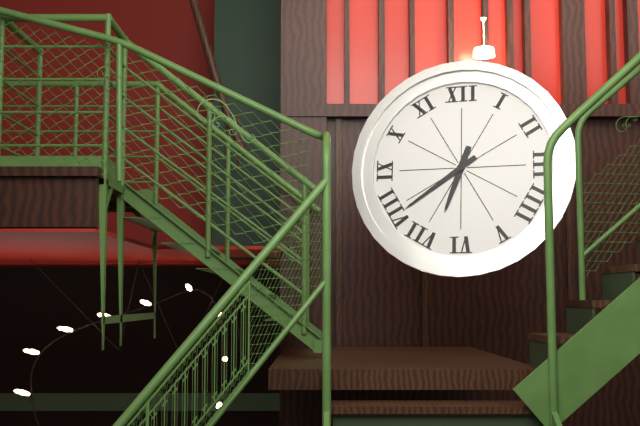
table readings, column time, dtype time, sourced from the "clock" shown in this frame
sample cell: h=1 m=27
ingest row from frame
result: h=6 m=39
